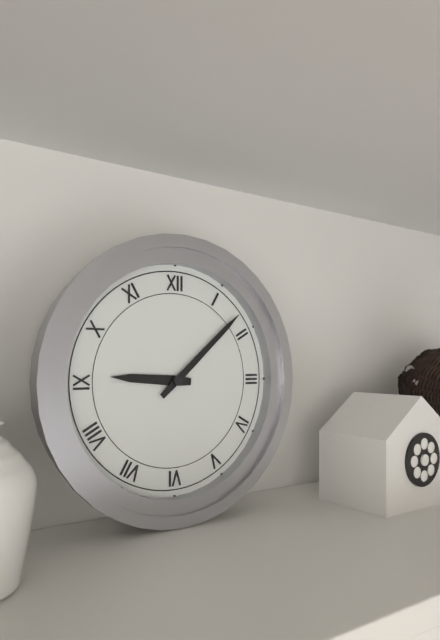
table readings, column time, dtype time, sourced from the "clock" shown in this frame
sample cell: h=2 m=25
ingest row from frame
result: h=9 m=8
